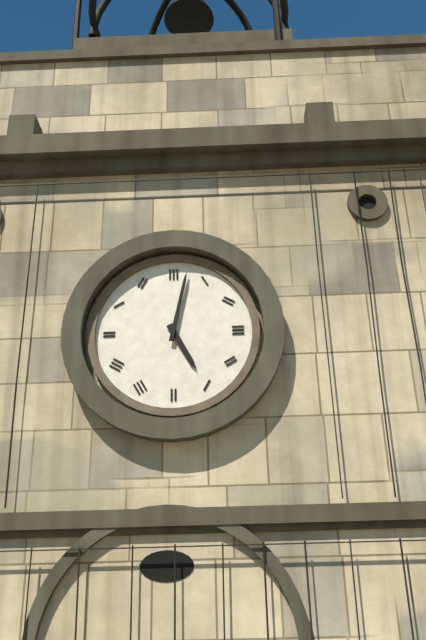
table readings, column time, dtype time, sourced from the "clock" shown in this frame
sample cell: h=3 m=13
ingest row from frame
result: h=5 m=2
